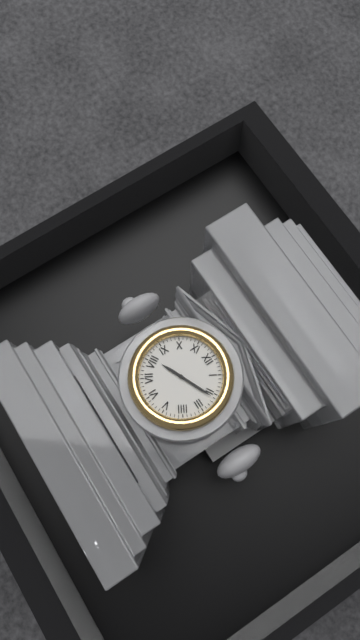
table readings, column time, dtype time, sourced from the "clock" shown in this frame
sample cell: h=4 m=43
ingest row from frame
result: h=8 m=11
